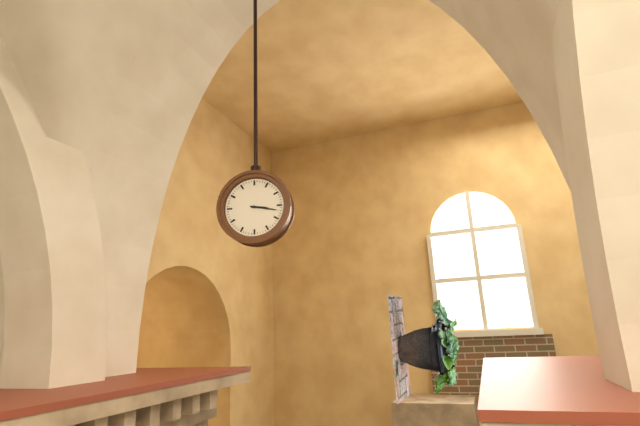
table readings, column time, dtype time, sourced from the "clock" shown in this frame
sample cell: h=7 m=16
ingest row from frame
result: h=3 m=17
